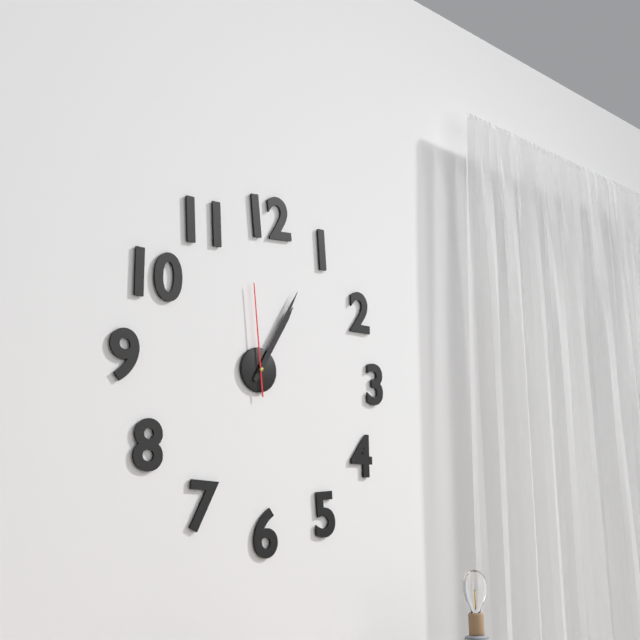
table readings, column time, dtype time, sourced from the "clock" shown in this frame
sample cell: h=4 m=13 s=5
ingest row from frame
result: h=1 m=5 s=59
